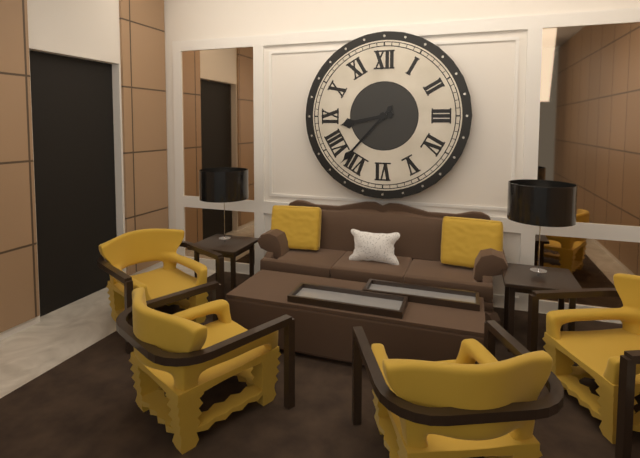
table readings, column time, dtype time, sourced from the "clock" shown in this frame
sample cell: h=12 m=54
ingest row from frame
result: h=8 m=37
